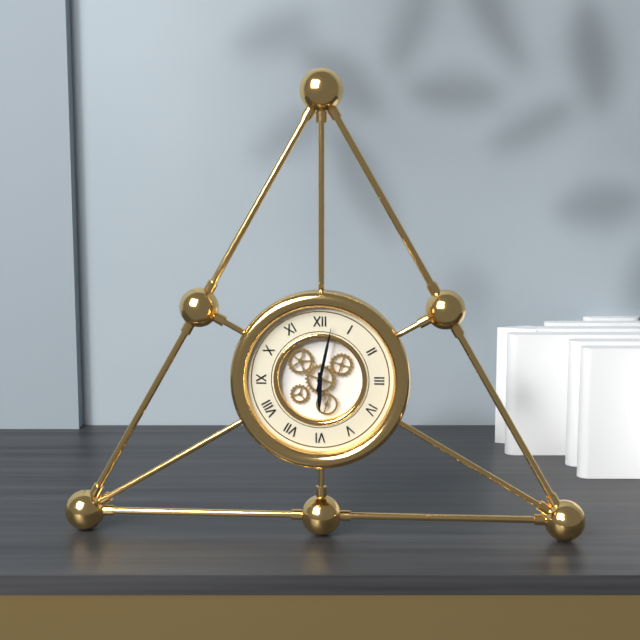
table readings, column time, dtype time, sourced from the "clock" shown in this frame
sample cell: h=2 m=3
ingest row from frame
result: h=6 m=2
